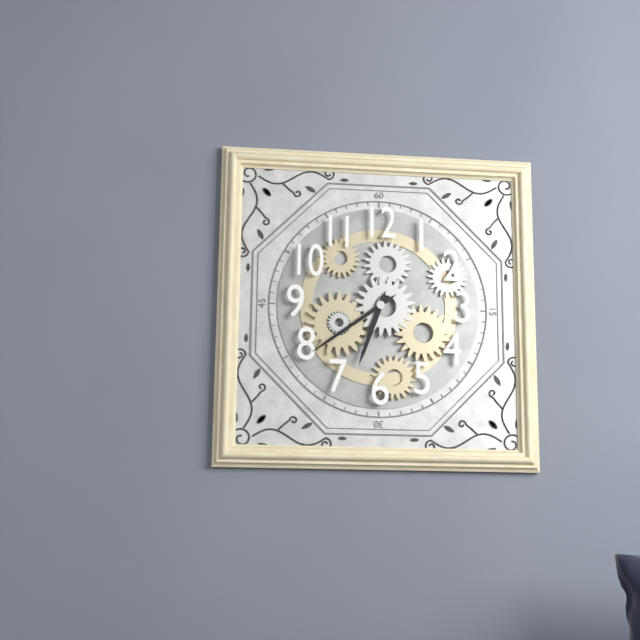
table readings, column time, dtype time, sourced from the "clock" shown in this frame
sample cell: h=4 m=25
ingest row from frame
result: h=6 m=39
